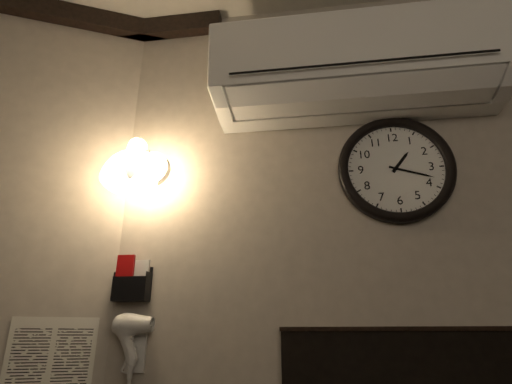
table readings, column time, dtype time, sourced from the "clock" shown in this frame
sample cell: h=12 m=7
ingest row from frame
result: h=1 m=18
